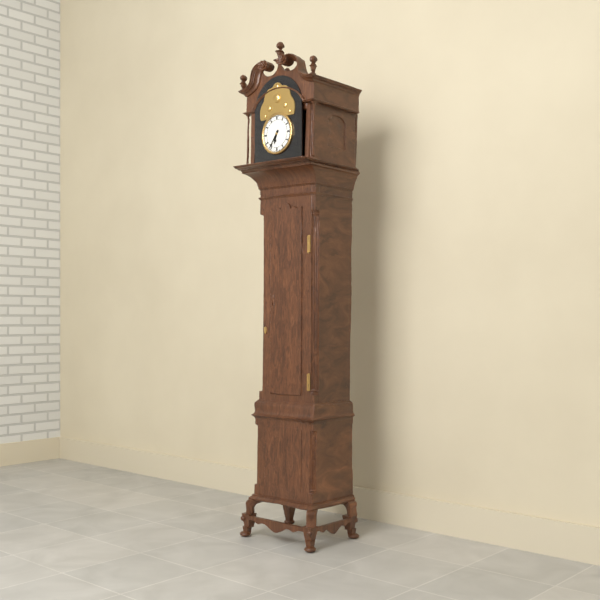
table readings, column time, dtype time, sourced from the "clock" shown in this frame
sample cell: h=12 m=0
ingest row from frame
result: h=6 m=36
